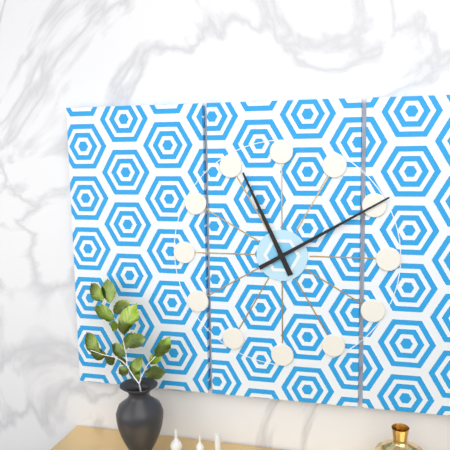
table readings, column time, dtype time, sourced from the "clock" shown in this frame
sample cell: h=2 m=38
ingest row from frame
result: h=11 m=10
